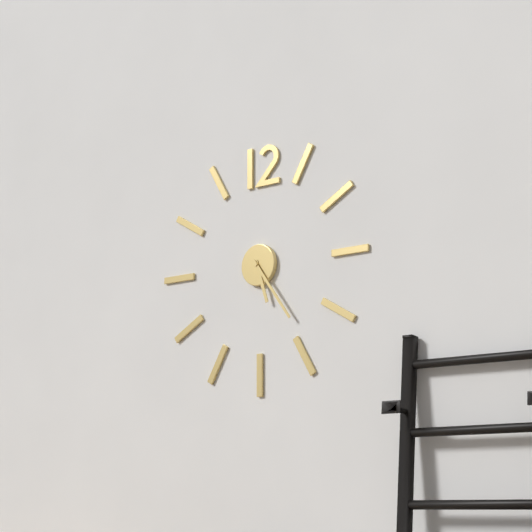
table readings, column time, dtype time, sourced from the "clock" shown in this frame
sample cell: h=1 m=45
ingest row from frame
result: h=5 m=24
